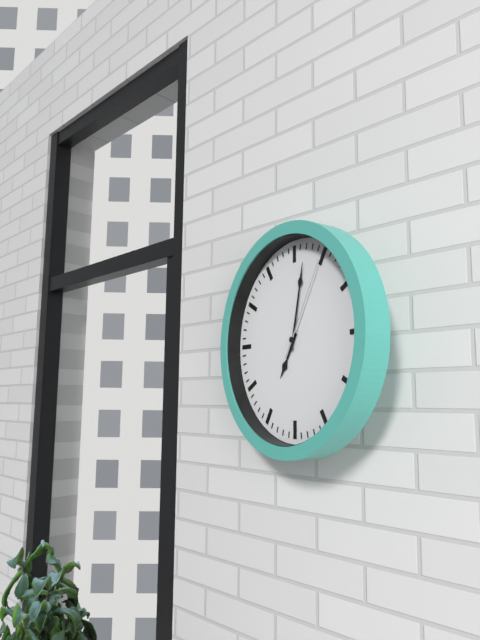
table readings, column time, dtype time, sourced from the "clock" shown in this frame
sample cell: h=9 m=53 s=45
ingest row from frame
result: h=7 m=2 s=5
